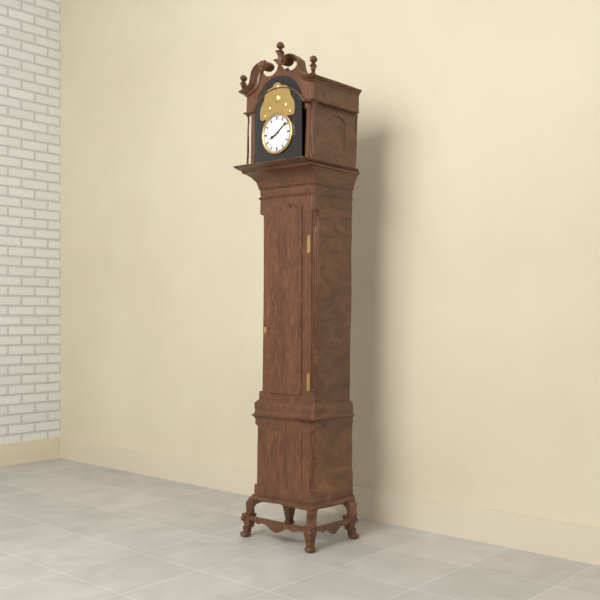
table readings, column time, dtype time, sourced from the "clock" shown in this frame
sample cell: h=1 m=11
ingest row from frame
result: h=8 m=9
